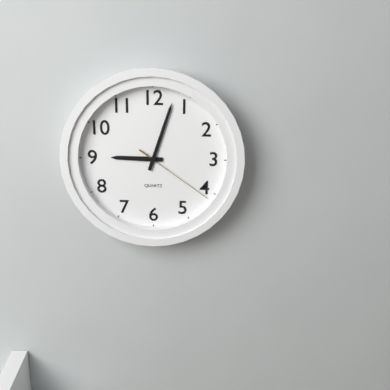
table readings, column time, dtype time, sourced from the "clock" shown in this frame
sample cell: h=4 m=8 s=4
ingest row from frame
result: h=9 m=3 s=21
